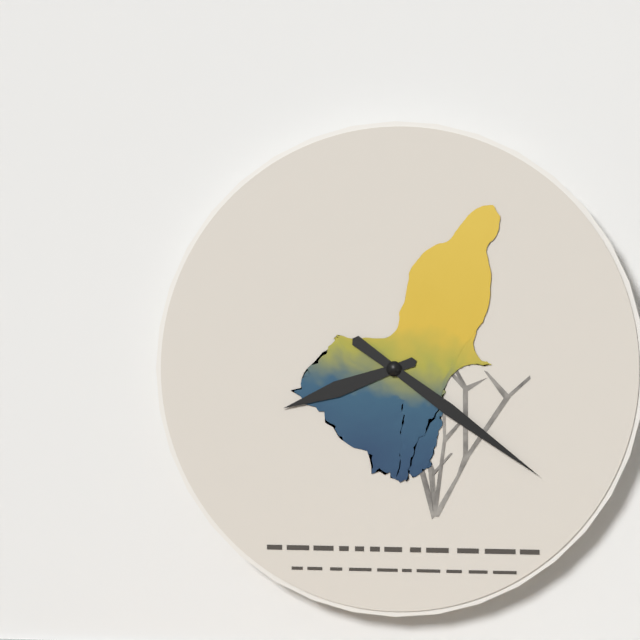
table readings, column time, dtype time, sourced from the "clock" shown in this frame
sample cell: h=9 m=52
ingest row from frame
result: h=8 m=21
